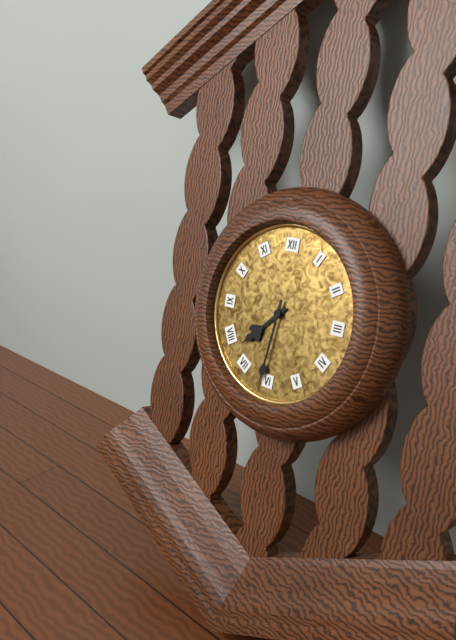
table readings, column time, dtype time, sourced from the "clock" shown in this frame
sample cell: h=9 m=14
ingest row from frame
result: h=7 m=31
